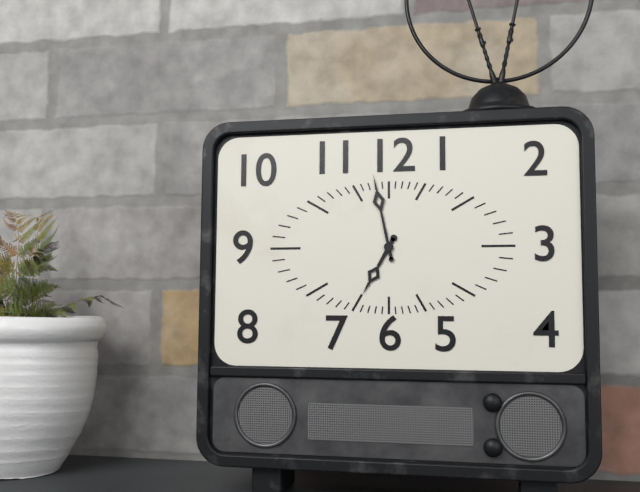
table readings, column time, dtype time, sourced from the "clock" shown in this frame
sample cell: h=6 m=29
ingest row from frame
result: h=6 m=58
